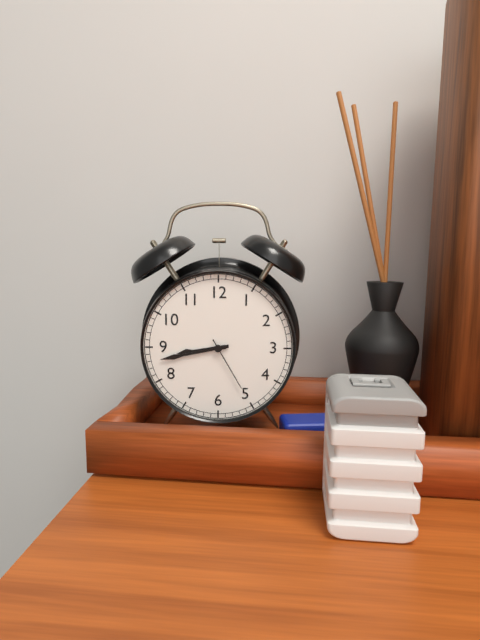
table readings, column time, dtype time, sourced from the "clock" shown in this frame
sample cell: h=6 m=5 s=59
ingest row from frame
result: h=8 m=43 s=25
